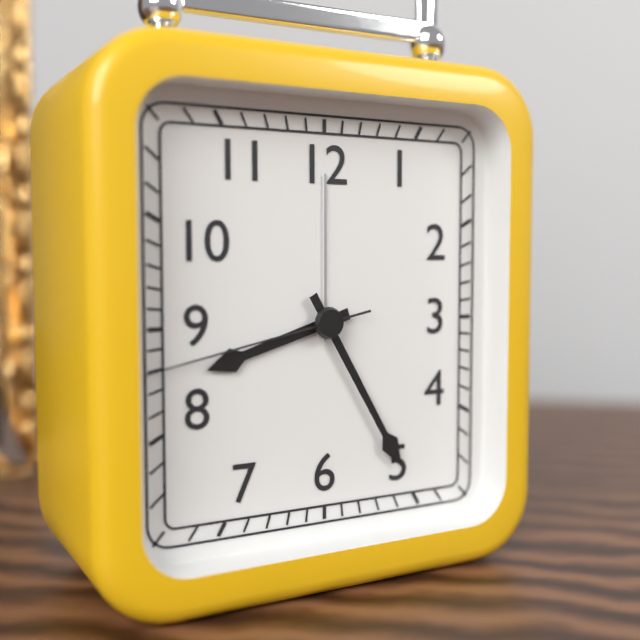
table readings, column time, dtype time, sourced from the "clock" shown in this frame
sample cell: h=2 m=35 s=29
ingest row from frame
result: h=8 m=25 s=43
